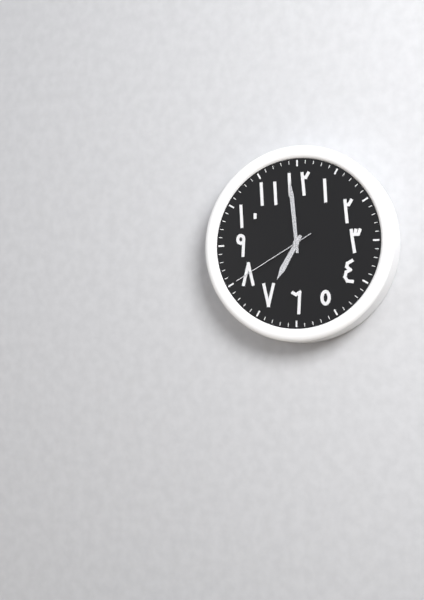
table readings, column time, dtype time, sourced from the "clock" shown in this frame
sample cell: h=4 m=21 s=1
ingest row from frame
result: h=6 m=59 s=40
